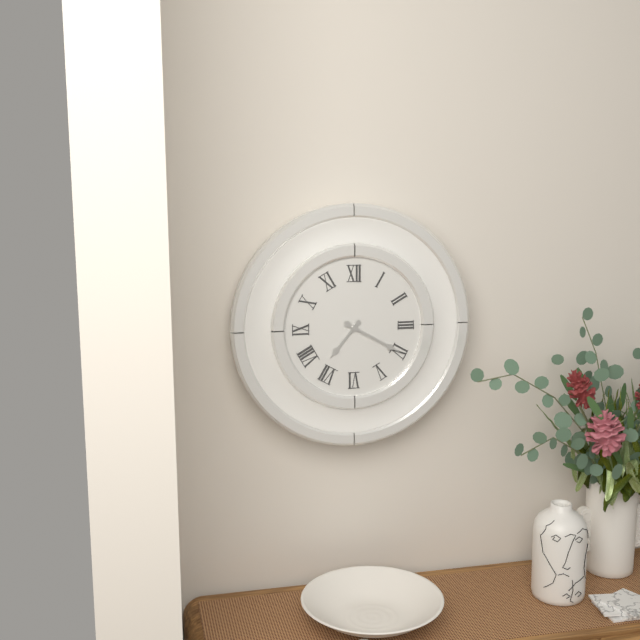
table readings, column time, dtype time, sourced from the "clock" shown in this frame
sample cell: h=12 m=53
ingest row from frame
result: h=7 m=20
